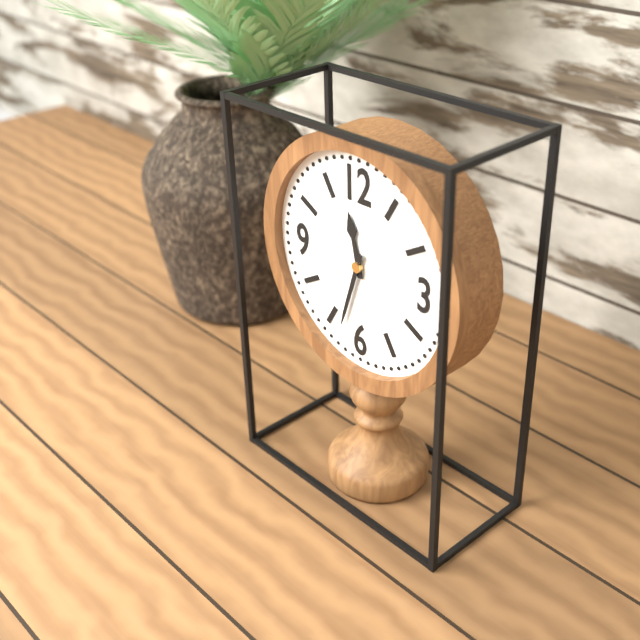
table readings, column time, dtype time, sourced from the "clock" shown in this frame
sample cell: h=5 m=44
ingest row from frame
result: h=11 m=33
